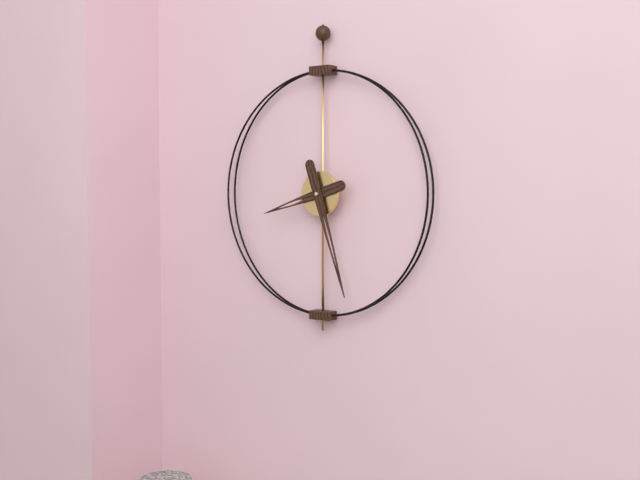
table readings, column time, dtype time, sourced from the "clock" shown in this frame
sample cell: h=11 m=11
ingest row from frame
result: h=8 m=27
